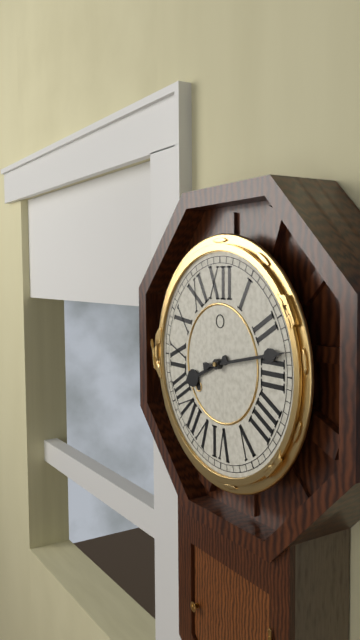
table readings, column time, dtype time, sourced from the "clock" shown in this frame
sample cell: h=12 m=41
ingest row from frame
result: h=8 m=13
